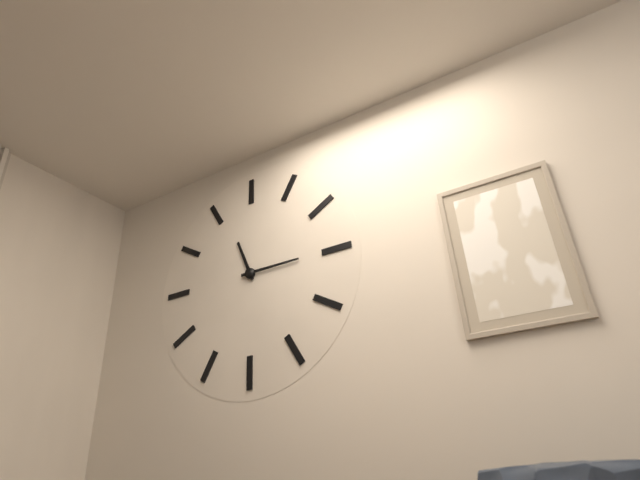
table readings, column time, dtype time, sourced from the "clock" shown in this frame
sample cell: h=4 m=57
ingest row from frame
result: h=11 m=15
